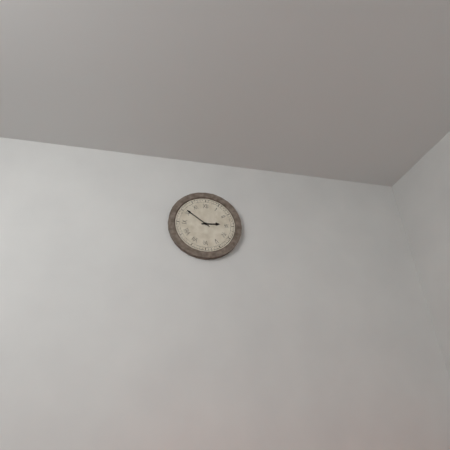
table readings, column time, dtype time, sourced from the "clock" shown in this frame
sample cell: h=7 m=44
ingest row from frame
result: h=2 m=51
